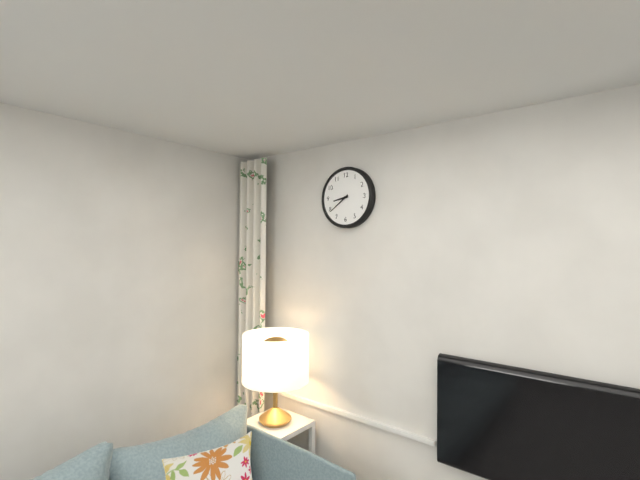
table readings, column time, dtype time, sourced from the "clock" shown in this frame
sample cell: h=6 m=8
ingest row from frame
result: h=8 m=39
